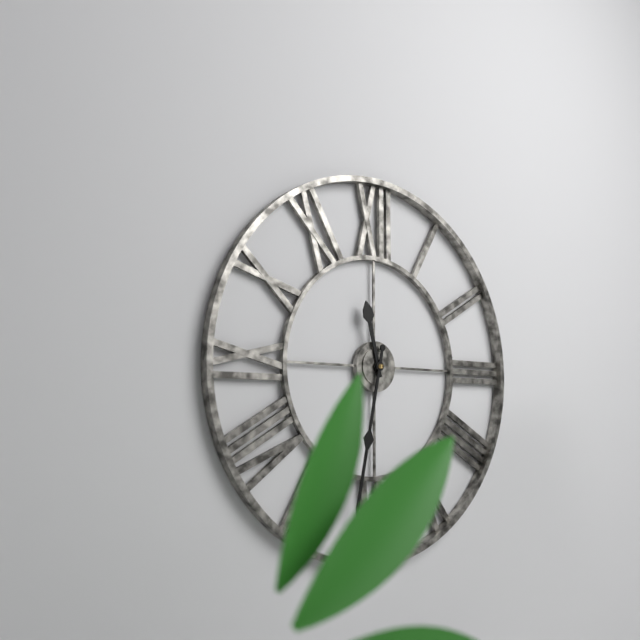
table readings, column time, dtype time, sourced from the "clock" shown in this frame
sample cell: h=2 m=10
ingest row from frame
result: h=11 m=32
